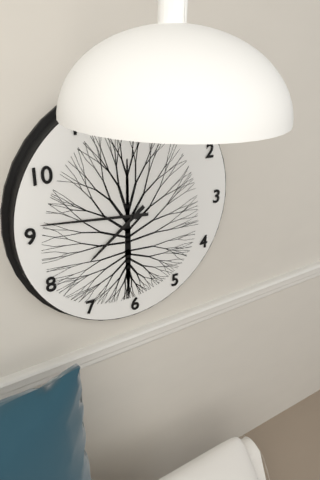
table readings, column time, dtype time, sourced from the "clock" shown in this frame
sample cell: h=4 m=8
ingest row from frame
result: h=7 m=46
